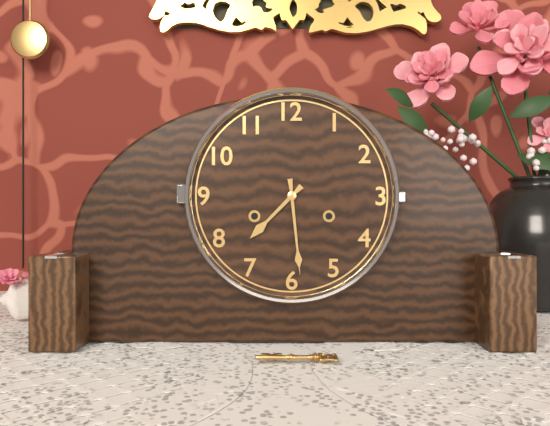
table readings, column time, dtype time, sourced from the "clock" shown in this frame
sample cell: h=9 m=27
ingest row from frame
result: h=7 m=29
